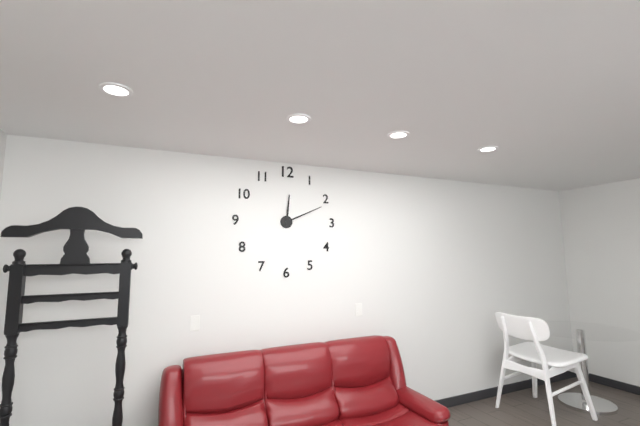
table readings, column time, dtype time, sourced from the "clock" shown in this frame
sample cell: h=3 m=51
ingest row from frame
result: h=12 m=11
